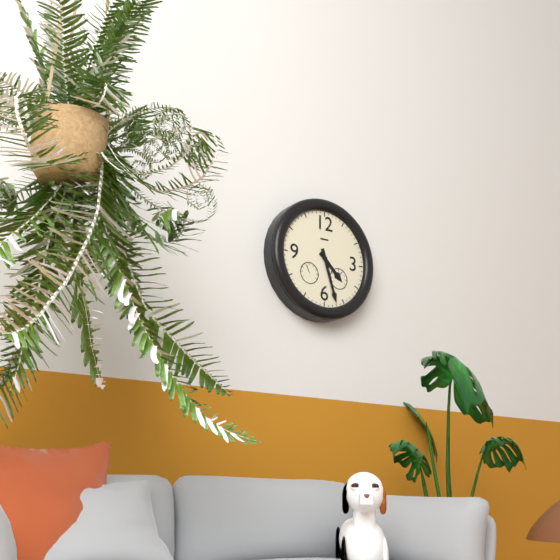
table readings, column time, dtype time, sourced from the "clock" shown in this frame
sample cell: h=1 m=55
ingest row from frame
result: h=4 m=27
